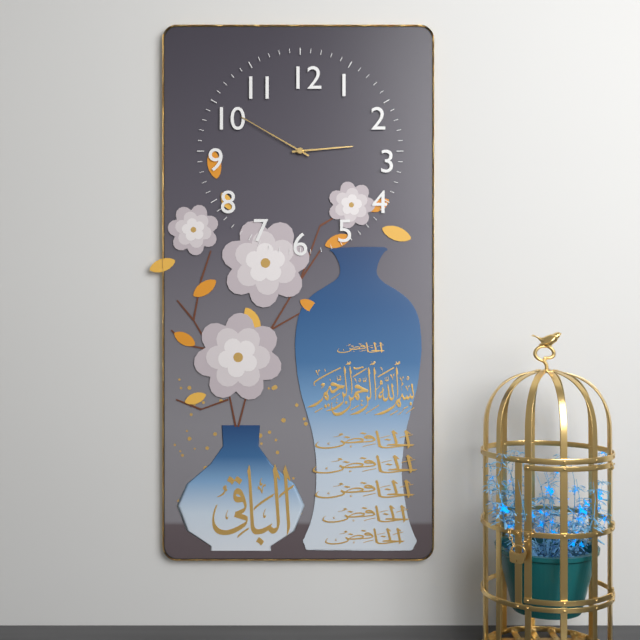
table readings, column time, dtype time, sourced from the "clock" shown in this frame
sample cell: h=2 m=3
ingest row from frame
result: h=2 m=50
